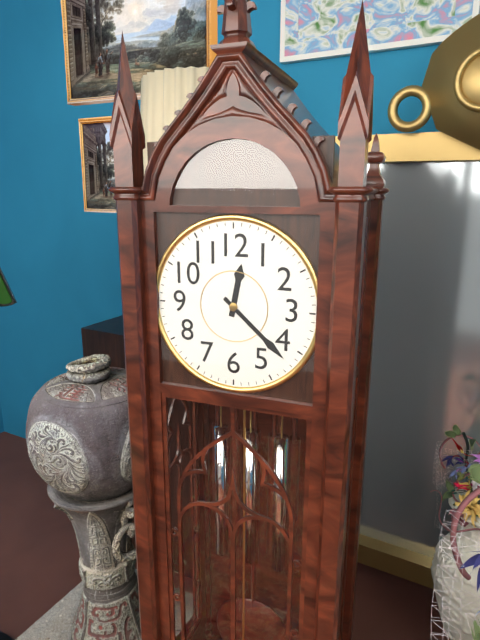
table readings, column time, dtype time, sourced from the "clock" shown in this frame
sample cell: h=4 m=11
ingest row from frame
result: h=12 m=22
